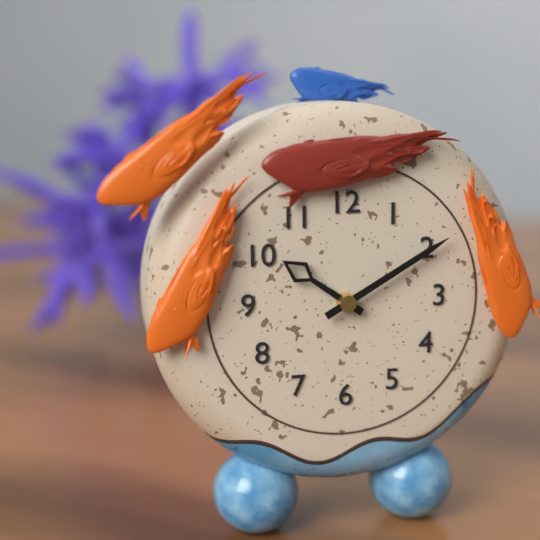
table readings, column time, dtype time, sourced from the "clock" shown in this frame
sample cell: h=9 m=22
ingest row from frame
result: h=10 m=10
